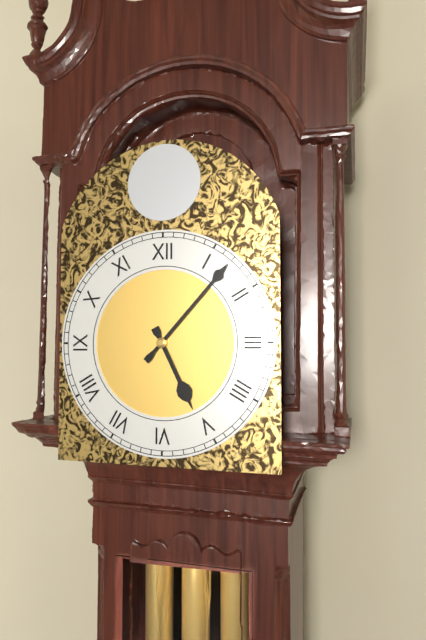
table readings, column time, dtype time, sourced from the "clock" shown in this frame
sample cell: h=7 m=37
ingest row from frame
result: h=5 m=7
